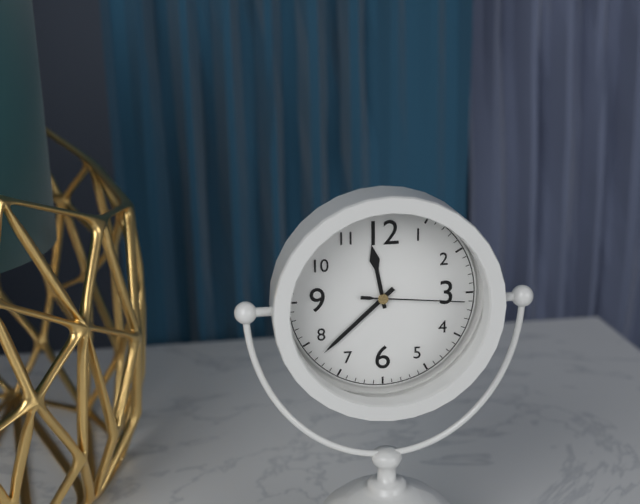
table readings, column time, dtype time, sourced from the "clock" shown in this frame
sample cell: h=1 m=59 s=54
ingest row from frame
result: h=11 m=38 s=16
